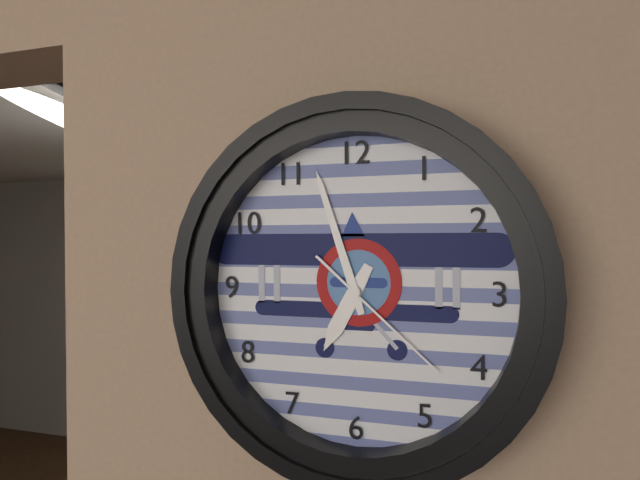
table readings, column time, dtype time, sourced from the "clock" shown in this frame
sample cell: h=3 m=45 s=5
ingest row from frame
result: h=6 m=57 s=22
